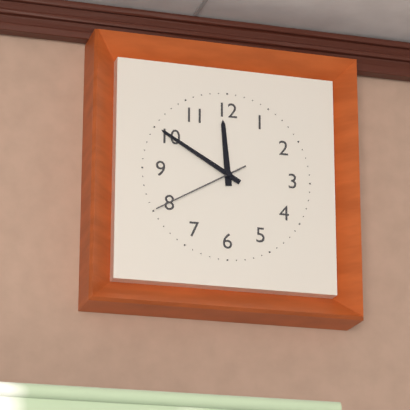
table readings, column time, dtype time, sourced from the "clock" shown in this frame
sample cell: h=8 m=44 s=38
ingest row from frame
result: h=11 m=50 s=40
